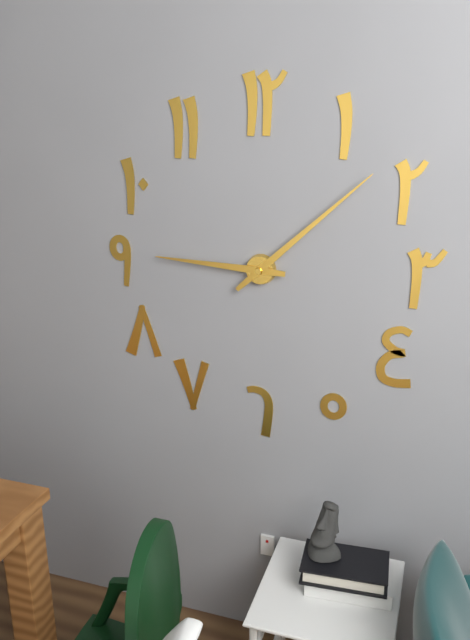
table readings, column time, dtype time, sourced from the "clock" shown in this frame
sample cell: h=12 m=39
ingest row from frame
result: h=9 m=8
